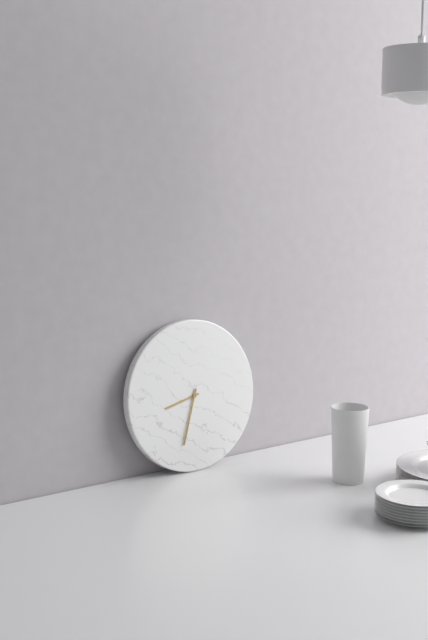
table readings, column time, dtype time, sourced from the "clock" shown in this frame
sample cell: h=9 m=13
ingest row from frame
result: h=8 m=33
